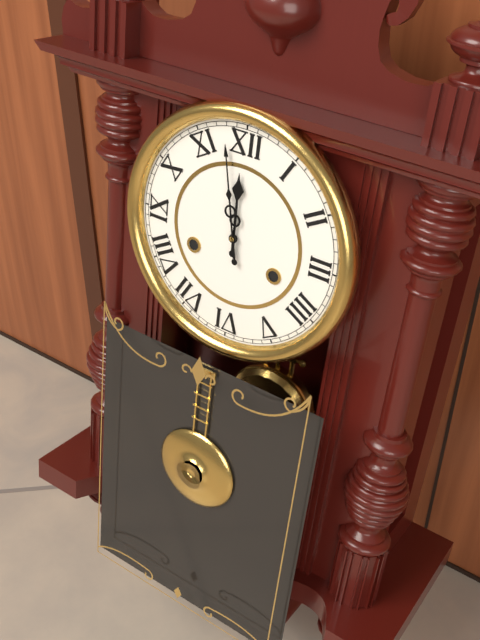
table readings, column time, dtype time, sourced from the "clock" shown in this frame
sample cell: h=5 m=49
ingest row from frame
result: h=11 m=58
